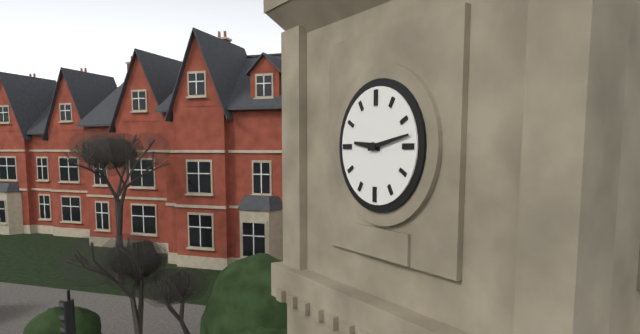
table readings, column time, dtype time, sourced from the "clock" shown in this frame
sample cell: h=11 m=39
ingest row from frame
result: h=9 m=13
